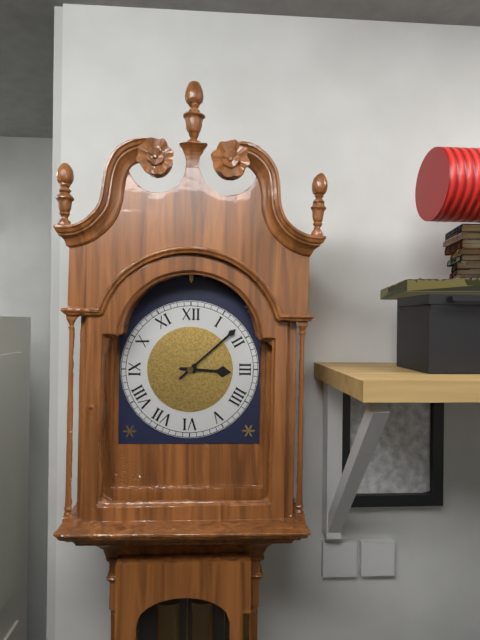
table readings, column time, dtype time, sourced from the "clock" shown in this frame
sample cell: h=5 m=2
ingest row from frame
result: h=3 m=8
